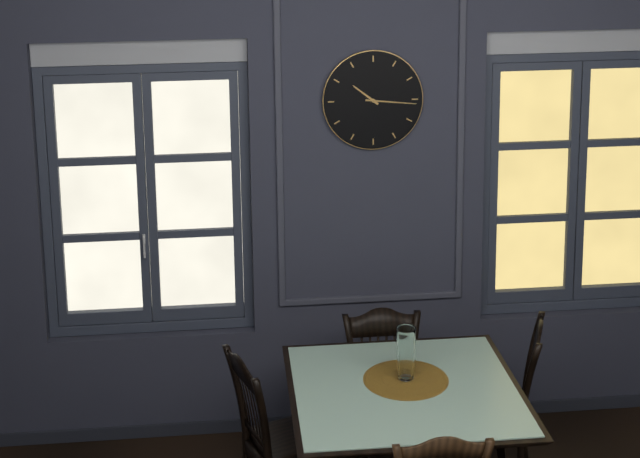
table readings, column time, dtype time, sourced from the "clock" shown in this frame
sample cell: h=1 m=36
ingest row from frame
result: h=10 m=16
